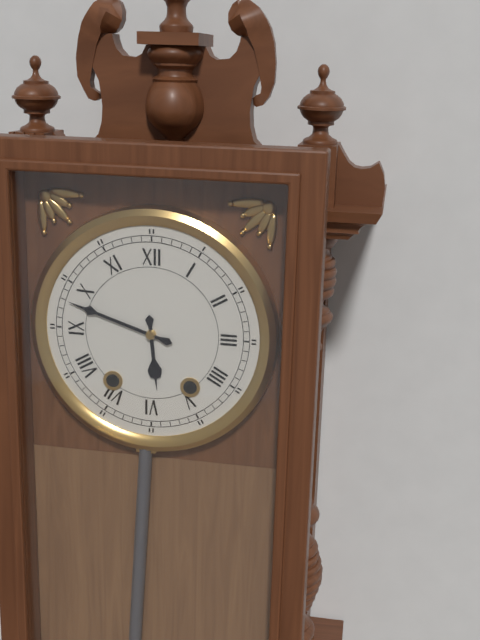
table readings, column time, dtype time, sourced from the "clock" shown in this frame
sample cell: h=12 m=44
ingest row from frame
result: h=5 m=48
